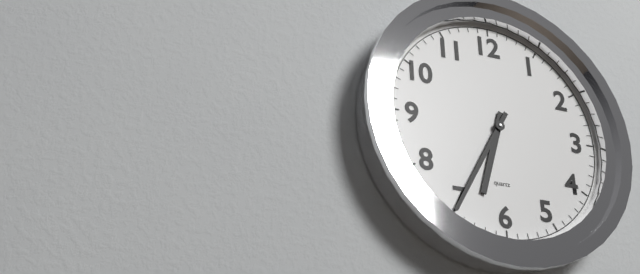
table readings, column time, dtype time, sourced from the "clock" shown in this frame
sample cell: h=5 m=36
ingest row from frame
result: h=6 m=35
